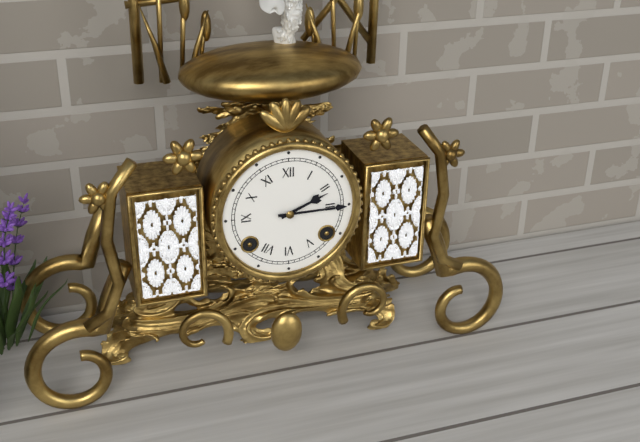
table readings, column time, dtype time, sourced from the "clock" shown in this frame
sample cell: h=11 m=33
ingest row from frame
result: h=2 m=15
